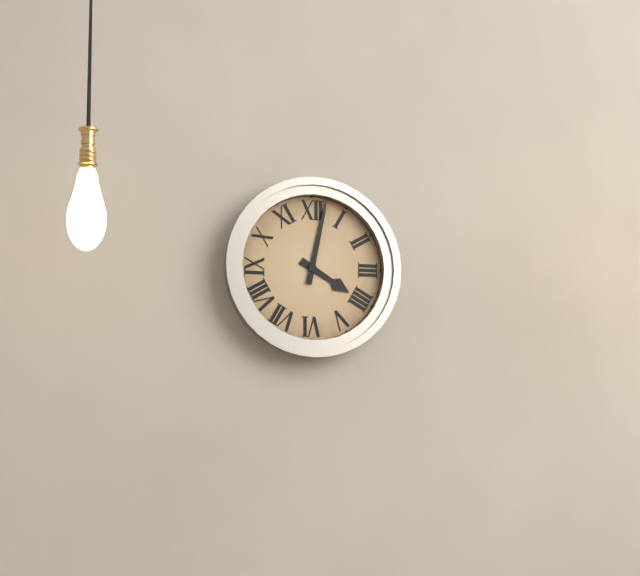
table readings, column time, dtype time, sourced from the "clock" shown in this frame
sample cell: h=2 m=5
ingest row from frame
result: h=4 m=2
